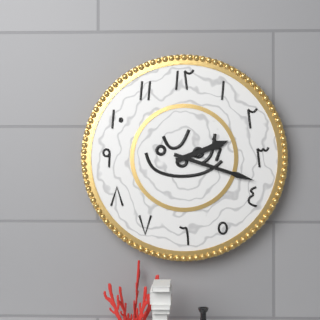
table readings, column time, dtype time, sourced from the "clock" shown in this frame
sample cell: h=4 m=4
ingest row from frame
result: h=2 m=18
